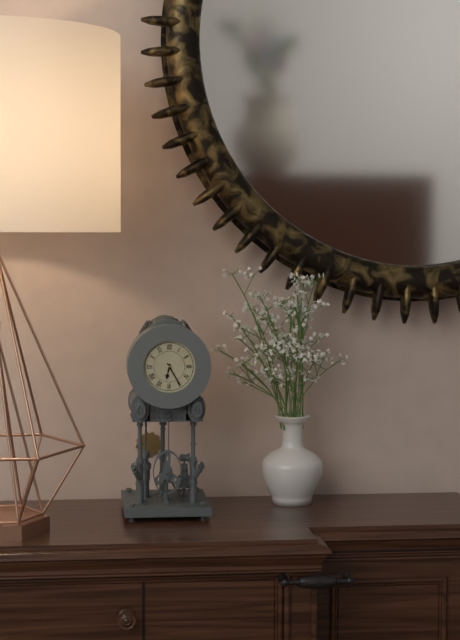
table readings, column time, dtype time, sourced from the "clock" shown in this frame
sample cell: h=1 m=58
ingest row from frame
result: h=6 m=25
